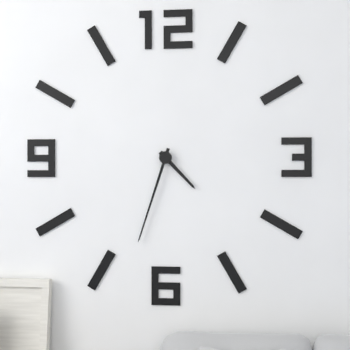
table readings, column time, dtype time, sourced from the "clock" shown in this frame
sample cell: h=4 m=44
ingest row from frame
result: h=4 m=33
